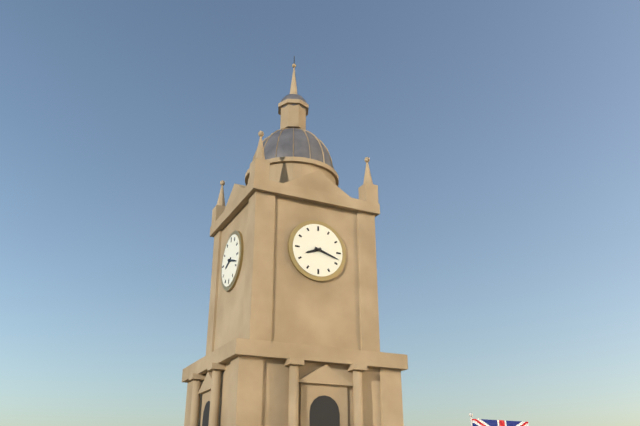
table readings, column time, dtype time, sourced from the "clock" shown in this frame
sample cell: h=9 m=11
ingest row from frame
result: h=8 m=18
